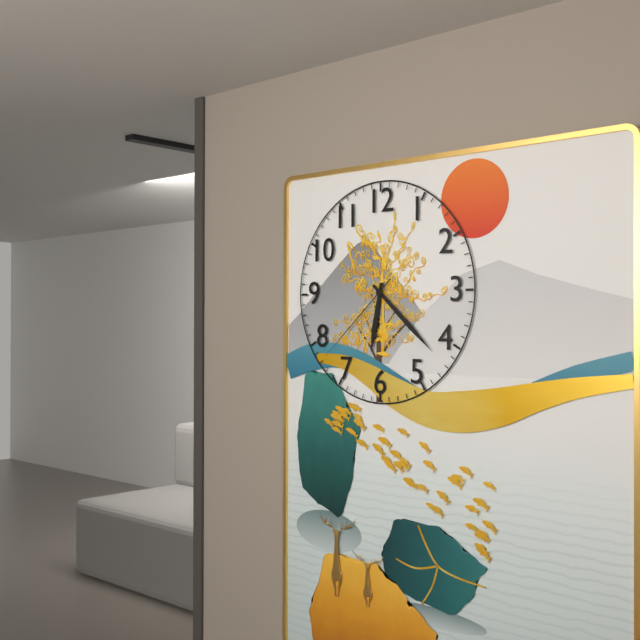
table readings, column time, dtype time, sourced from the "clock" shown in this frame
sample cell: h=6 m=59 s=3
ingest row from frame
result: h=6 m=22 s=38
